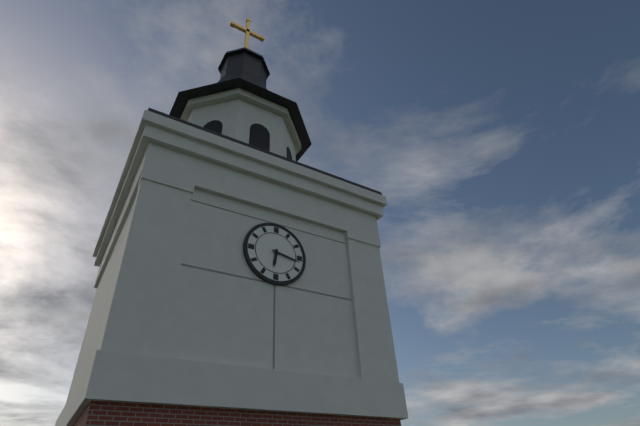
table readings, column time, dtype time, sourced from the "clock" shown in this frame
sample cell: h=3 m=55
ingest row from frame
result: h=6 m=17
